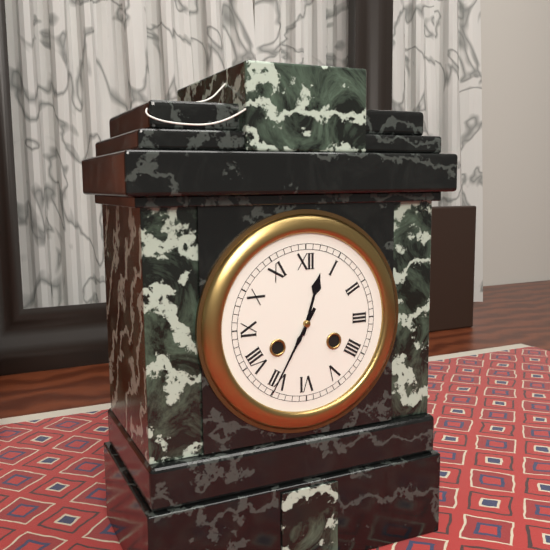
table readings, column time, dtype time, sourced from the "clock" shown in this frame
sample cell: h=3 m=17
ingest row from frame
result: h=12 m=35
